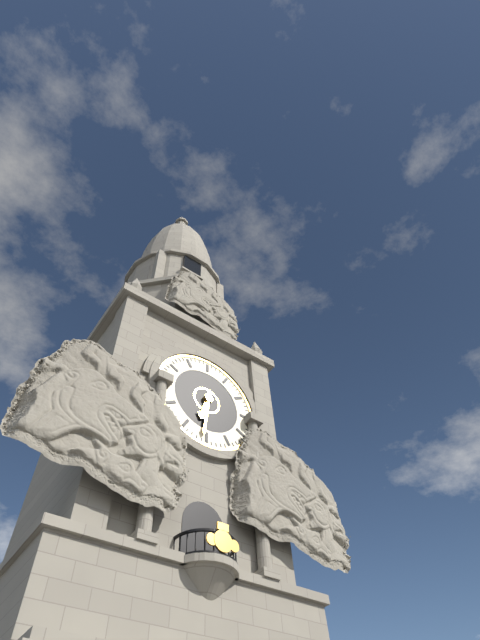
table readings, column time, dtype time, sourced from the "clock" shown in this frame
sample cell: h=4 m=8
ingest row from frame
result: h=6 m=31
